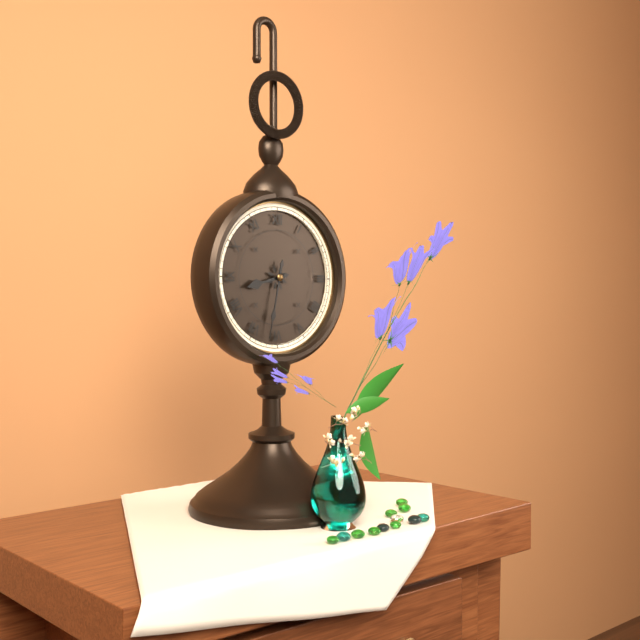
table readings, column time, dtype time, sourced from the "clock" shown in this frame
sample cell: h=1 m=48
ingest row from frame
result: h=8 m=32
